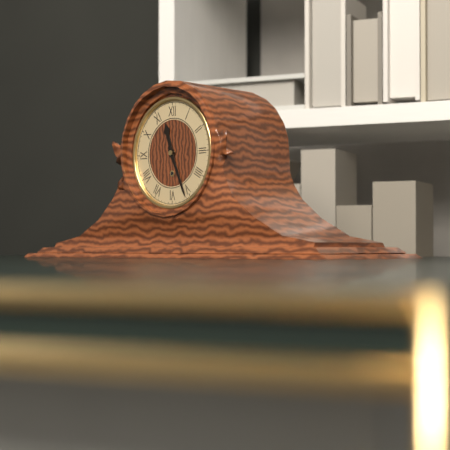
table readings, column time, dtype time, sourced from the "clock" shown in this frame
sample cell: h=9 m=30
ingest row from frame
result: h=11 m=26
